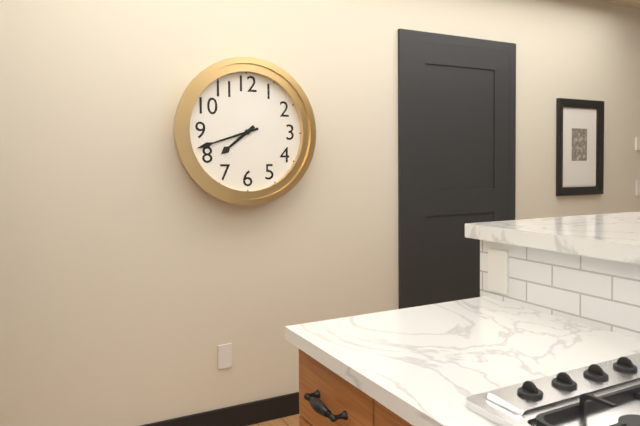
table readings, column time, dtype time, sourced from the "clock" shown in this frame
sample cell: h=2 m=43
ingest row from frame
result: h=7 m=42
